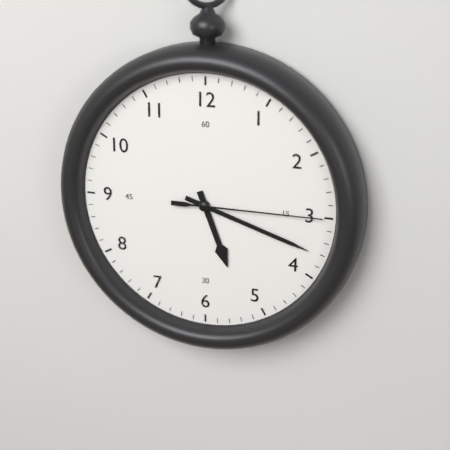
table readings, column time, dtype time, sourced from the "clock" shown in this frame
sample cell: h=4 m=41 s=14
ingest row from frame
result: h=5 m=18 s=15
